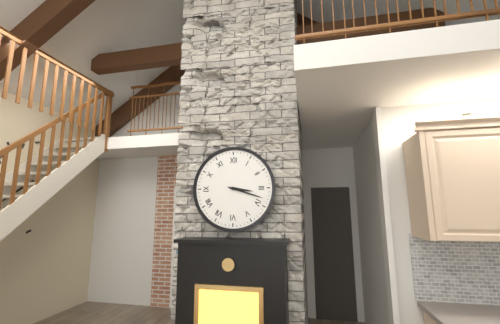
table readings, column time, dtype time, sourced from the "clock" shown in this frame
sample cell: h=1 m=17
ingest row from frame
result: h=3 m=18
